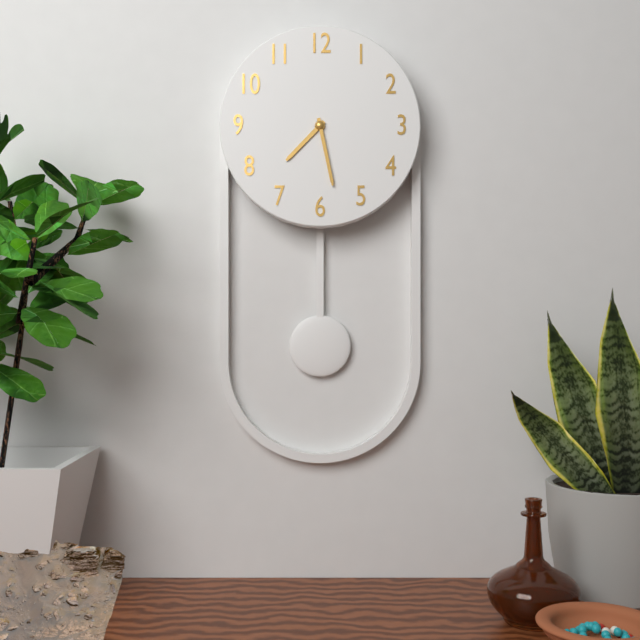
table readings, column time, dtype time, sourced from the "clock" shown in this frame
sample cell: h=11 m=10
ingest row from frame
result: h=7 m=28
